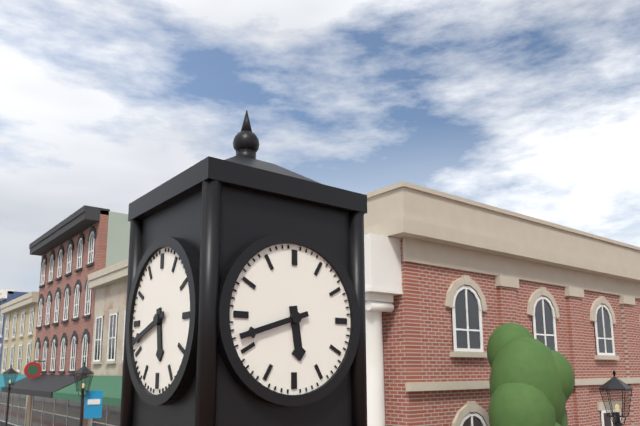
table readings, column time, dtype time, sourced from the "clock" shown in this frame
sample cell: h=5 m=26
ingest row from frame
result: h=5 m=42
